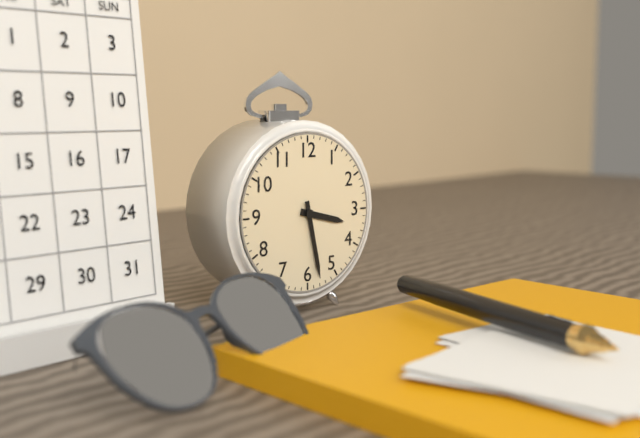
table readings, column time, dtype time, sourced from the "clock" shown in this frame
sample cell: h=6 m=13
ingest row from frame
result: h=3 m=28
